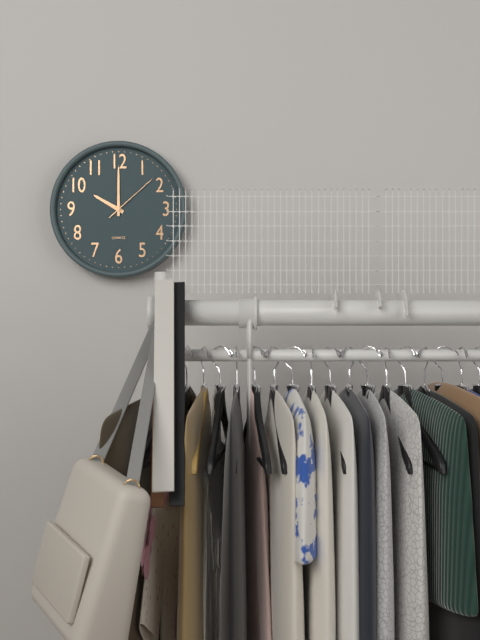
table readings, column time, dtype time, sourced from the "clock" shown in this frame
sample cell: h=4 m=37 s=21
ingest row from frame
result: h=10 m=0 s=8
